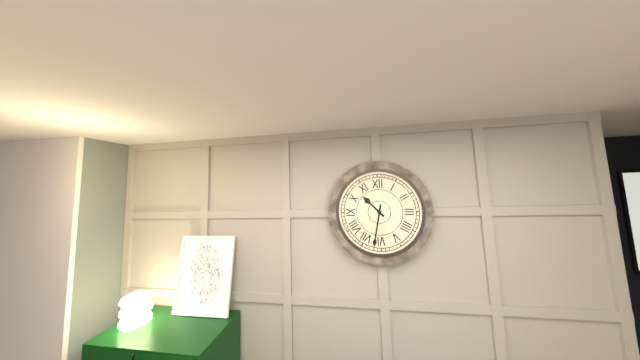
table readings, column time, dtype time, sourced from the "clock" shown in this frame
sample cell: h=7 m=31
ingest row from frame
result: h=10 m=32
